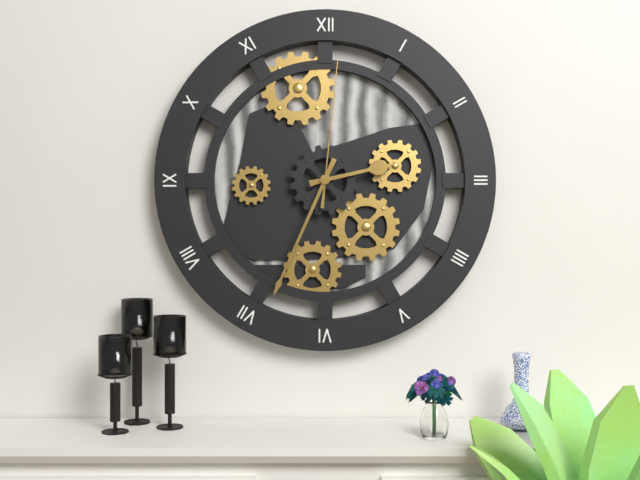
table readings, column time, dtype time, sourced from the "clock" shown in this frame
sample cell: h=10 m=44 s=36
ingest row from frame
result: h=2 m=34 s=1
